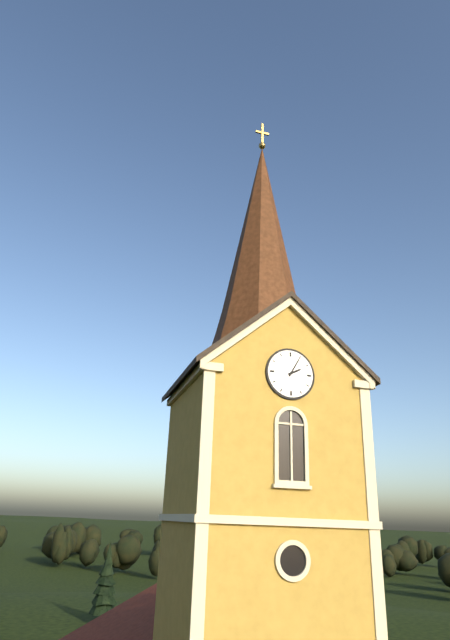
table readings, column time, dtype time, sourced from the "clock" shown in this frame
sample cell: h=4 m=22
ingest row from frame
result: h=2 m=5
